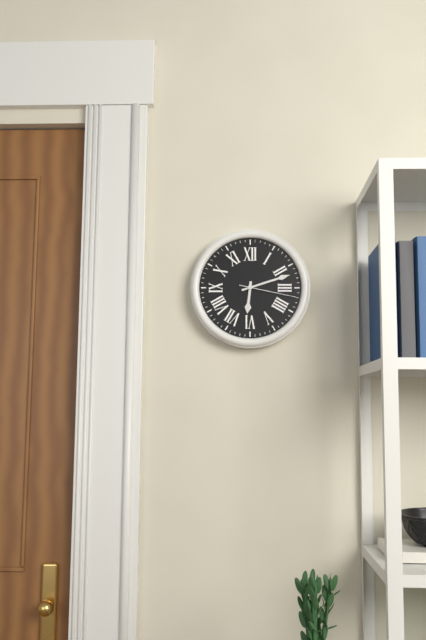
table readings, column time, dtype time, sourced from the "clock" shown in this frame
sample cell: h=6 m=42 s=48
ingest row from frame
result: h=6 m=12 s=17
